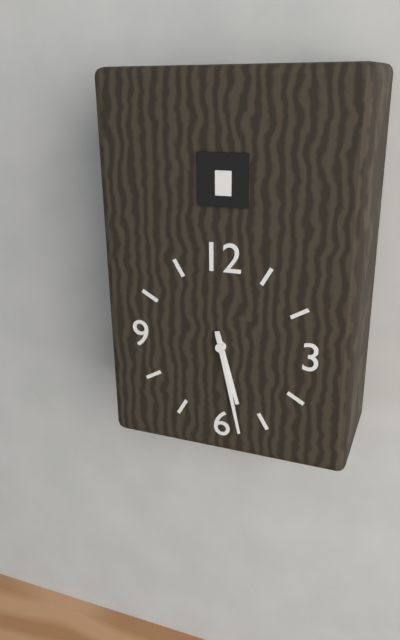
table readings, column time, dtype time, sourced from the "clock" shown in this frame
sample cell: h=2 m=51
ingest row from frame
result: h=5 m=28
